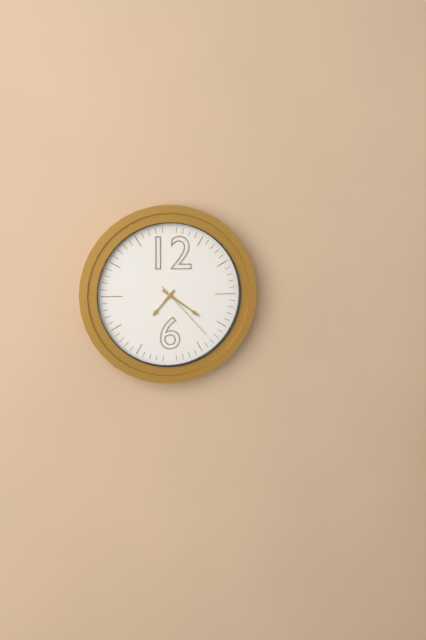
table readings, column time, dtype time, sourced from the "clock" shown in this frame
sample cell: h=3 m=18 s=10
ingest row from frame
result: h=7 m=21 s=23
